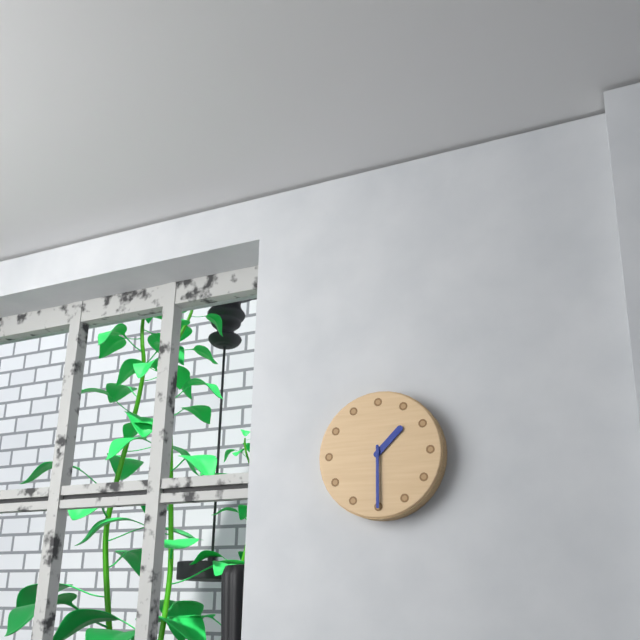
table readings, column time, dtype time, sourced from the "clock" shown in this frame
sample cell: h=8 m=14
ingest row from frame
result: h=1 m=30
